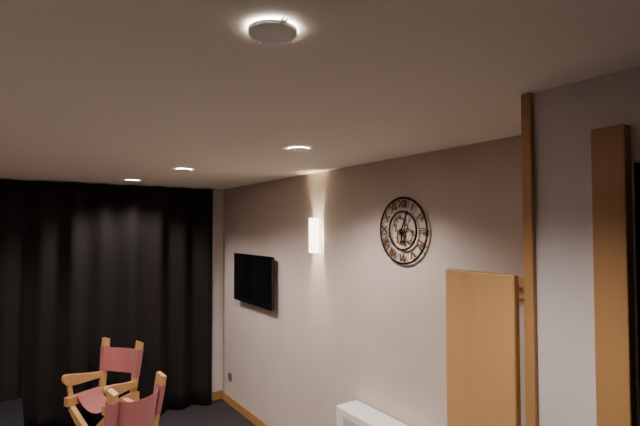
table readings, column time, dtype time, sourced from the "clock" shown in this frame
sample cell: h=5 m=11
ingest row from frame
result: h=6 m=4
